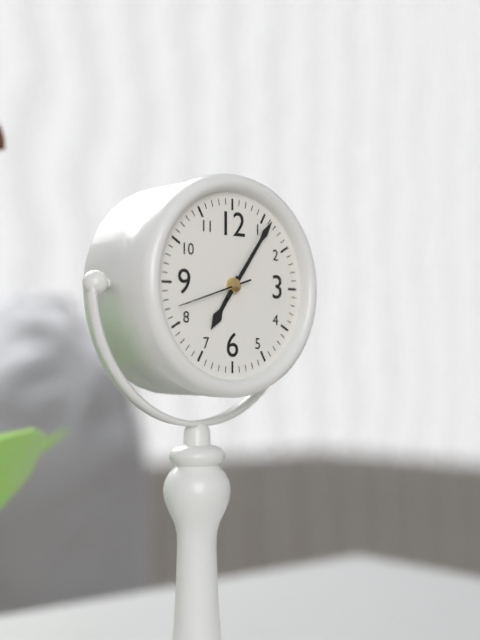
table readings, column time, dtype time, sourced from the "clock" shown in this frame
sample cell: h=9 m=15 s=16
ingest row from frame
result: h=7 m=6 s=42
